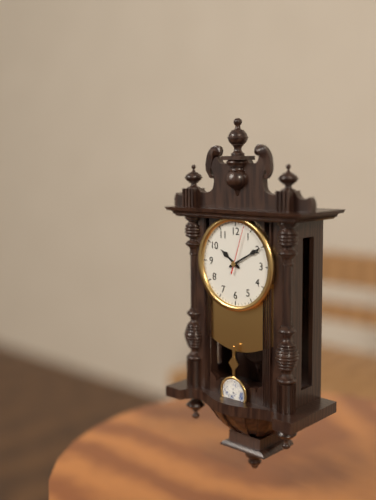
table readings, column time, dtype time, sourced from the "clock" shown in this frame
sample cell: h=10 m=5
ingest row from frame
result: h=10 m=10
